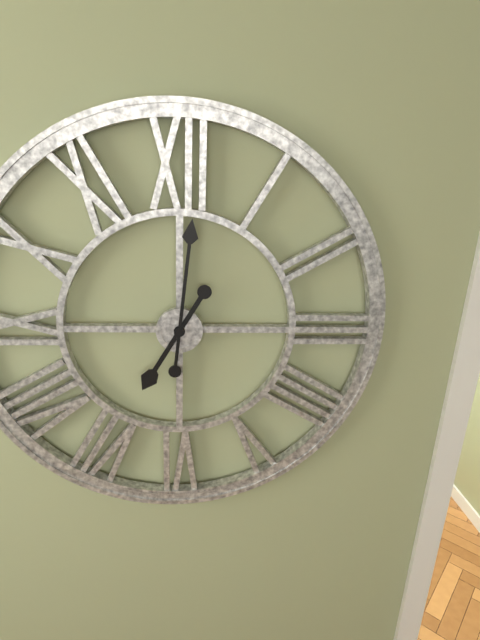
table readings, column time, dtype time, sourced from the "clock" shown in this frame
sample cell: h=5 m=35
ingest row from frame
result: h=7 m=1
